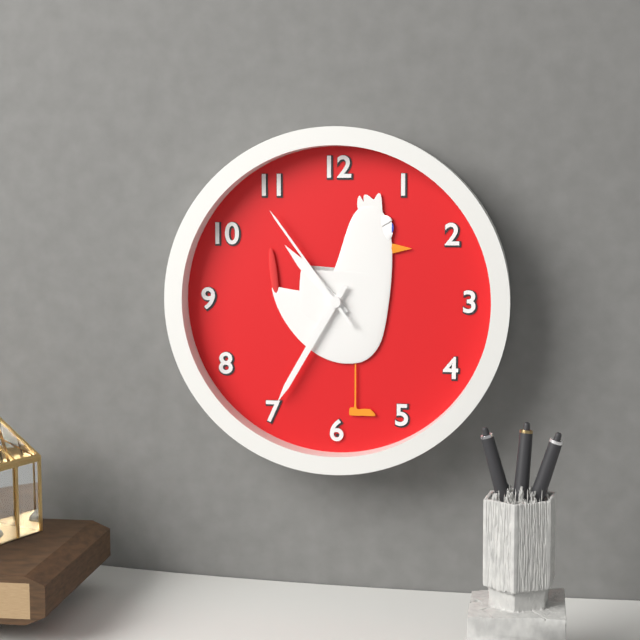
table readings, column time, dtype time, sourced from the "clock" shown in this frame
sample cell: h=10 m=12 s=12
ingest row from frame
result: h=10 m=35 s=54
